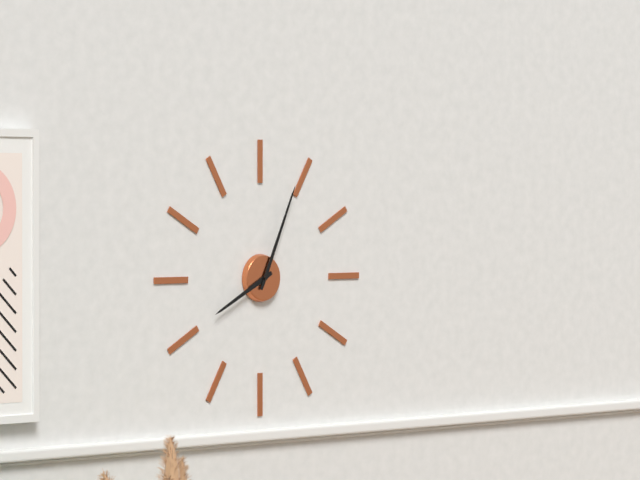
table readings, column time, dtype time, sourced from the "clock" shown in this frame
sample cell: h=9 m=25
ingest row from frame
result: h=8 m=4
